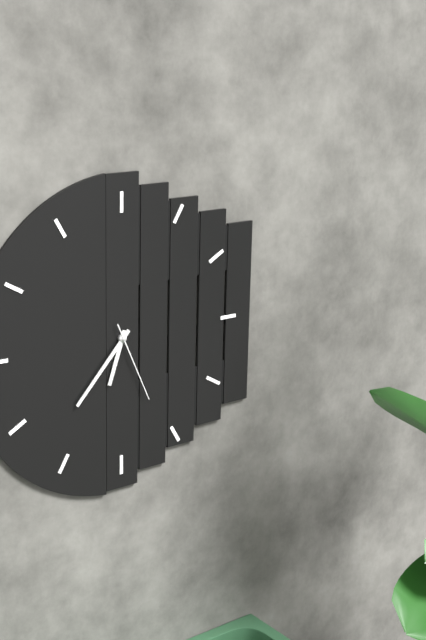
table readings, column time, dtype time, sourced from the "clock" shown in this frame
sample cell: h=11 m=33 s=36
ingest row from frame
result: h=6 m=37 s=26
